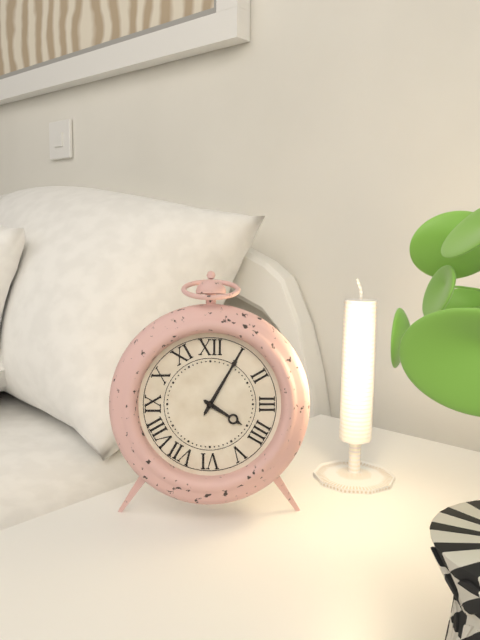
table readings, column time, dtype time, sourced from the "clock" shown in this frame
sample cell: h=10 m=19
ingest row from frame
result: h=4 m=5
